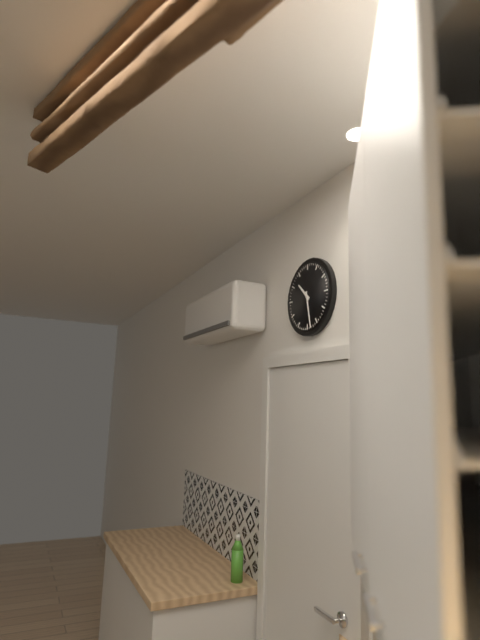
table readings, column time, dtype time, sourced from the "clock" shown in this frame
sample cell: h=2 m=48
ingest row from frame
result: h=10 m=28
